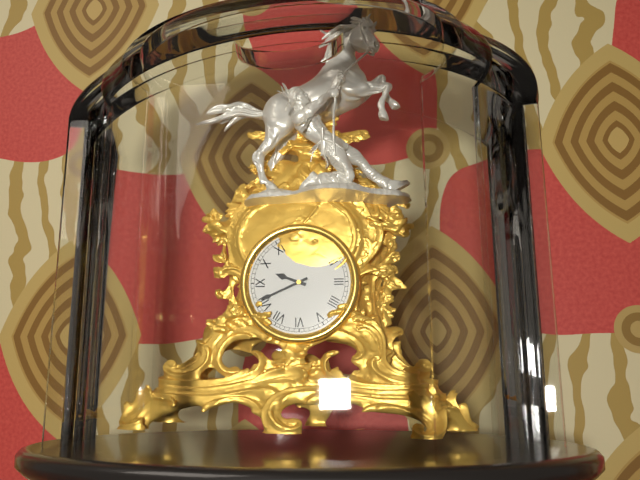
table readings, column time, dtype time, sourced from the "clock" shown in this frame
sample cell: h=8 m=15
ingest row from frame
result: h=9 m=41
